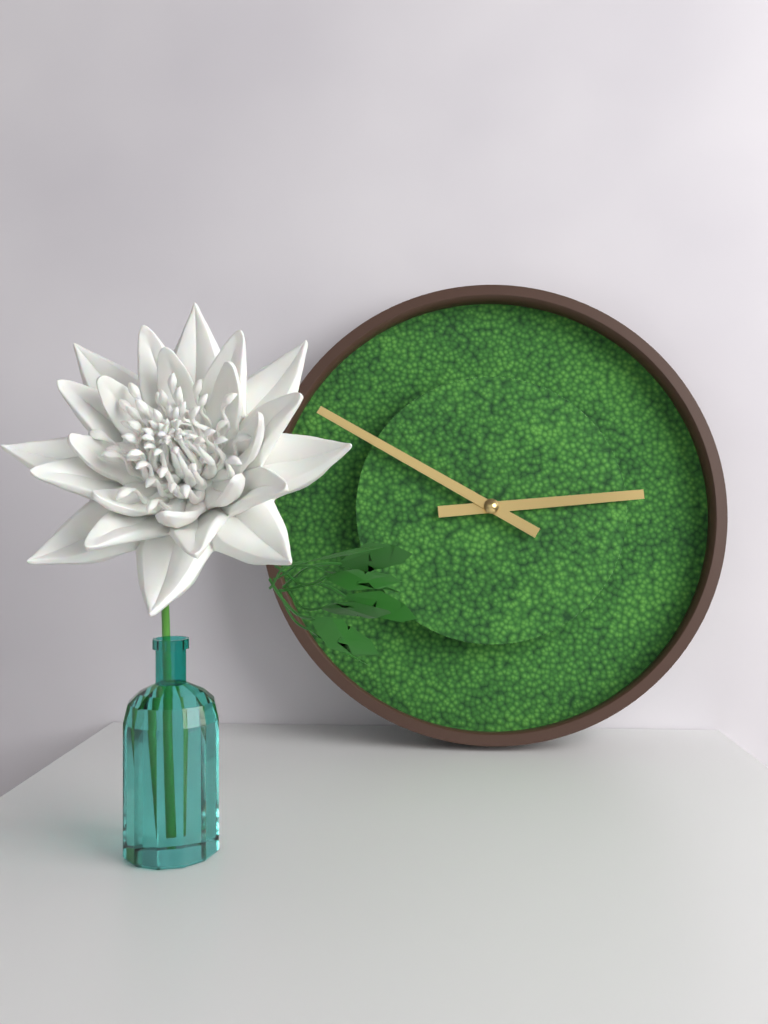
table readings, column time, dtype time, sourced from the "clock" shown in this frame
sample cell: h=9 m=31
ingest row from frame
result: h=2 m=50
